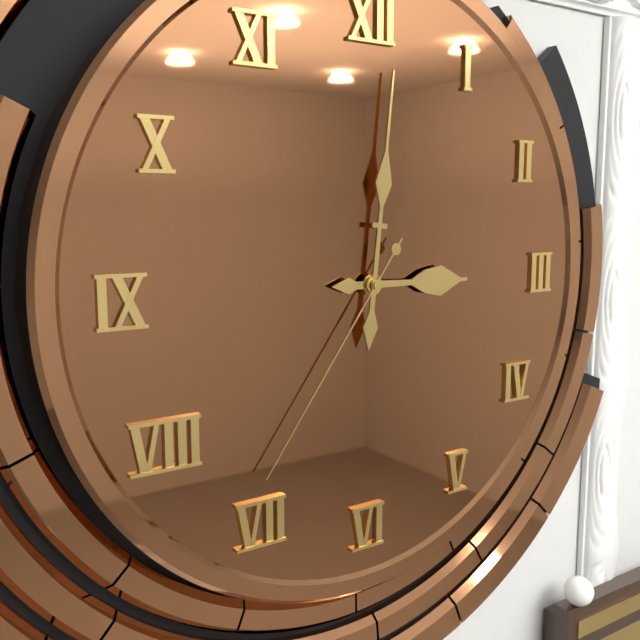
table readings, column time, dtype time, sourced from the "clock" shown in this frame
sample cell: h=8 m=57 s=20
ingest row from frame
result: h=3 m=1 s=36
